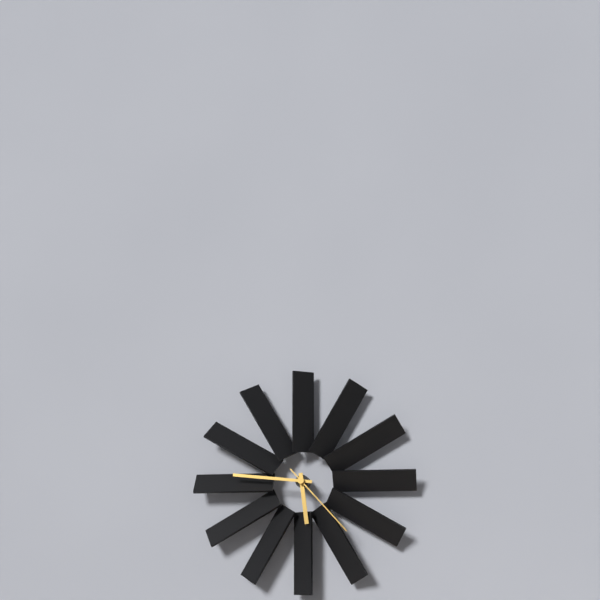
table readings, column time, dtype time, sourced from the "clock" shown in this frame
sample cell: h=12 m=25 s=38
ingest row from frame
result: h=5 m=46 s=23
